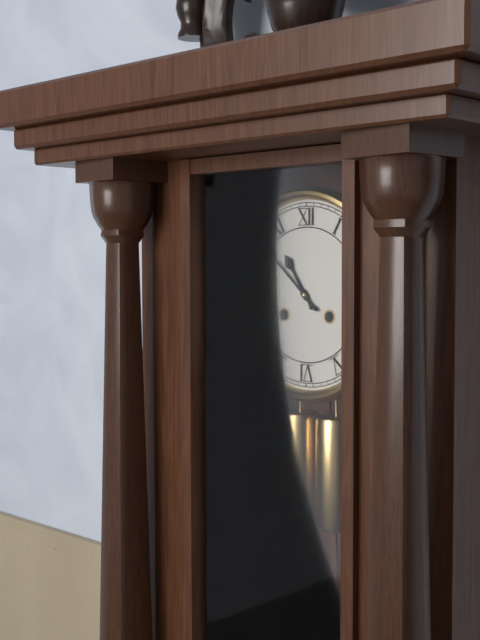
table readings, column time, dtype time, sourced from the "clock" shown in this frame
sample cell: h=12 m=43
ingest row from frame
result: h=10 m=52
